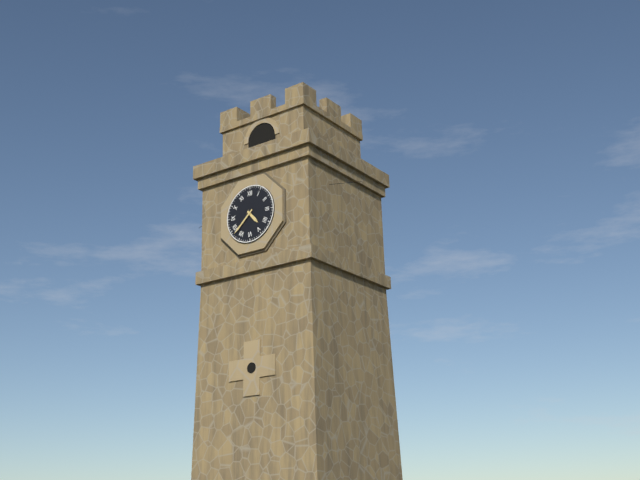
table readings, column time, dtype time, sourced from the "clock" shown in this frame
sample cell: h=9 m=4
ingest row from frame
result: h=4 m=38
